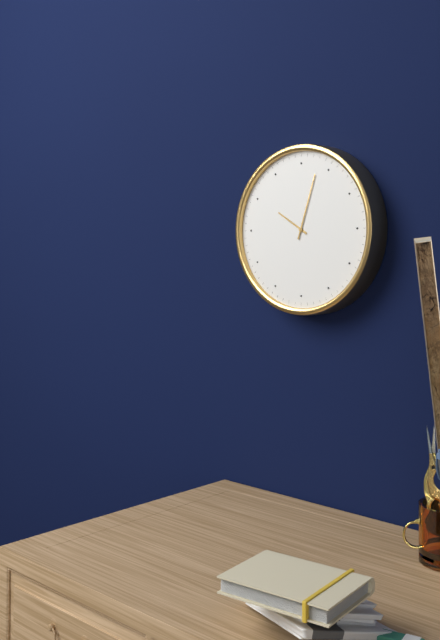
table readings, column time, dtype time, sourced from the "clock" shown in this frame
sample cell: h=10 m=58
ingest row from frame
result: h=10 m=3
